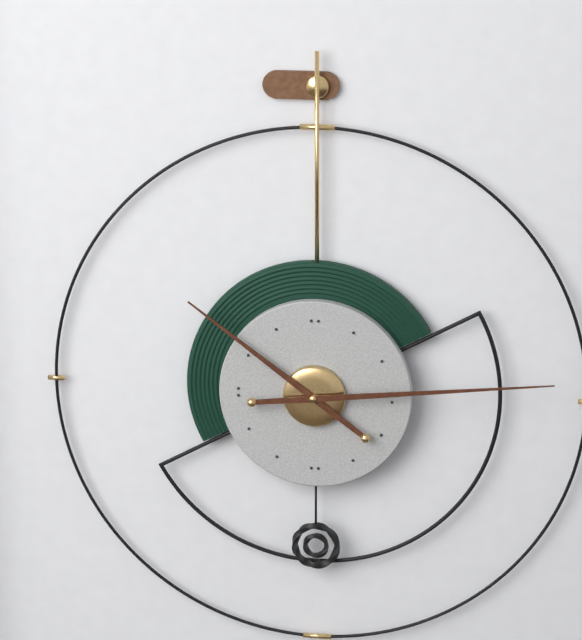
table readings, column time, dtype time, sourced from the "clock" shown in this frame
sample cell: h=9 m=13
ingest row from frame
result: h=10 m=14
